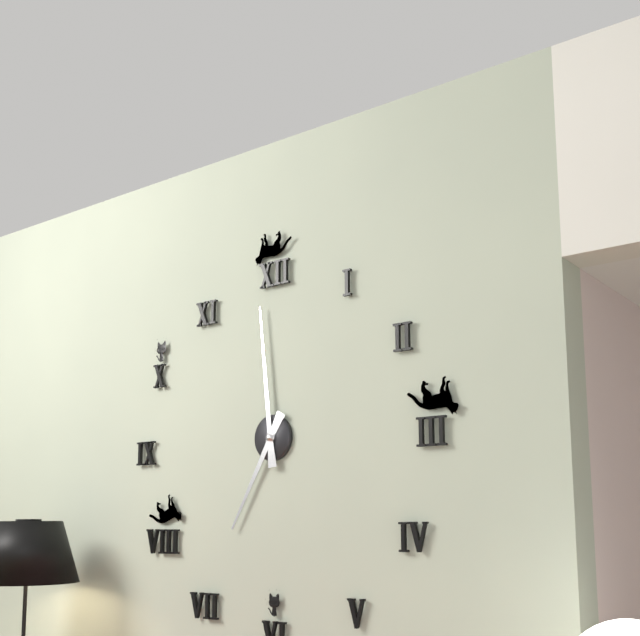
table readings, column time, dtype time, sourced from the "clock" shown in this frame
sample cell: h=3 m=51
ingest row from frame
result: h=6 m=59
